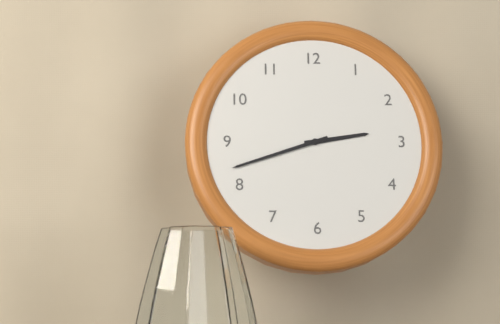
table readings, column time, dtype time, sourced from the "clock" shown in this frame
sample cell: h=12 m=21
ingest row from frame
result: h=2 m=42
